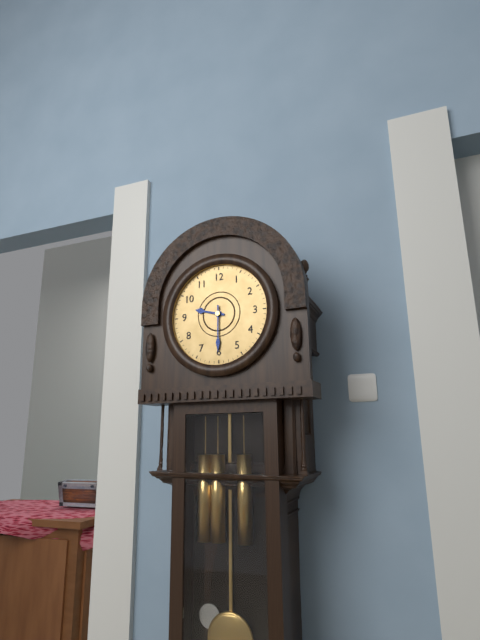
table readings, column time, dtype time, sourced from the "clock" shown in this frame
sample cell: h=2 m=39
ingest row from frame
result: h=9 m=30
